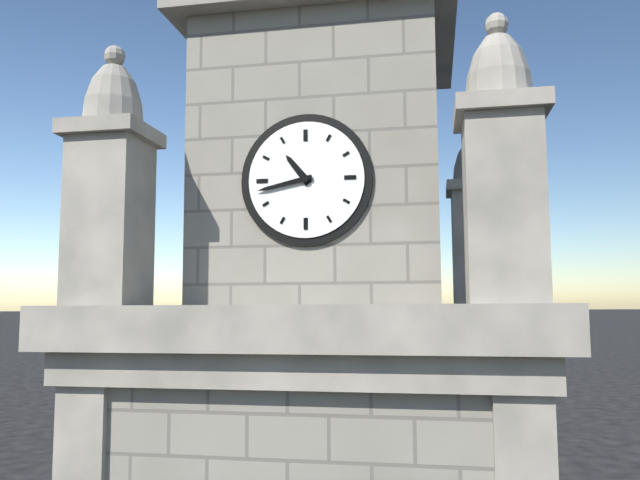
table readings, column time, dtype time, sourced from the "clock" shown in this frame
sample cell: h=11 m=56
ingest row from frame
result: h=10 m=43
